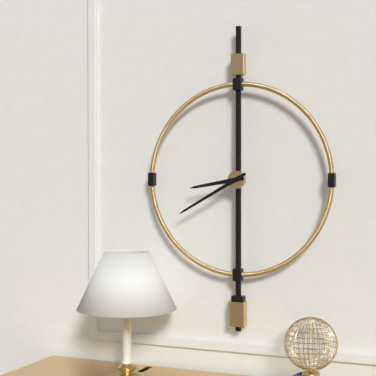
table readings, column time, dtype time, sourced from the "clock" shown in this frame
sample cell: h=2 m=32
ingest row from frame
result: h=8 m=40
